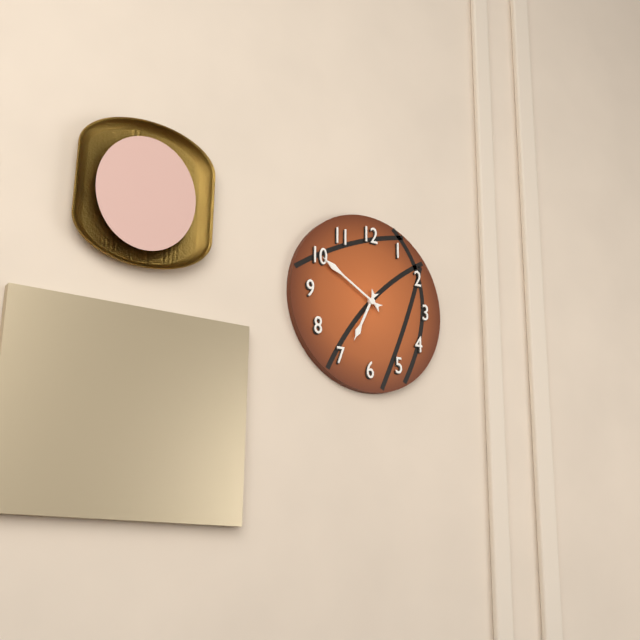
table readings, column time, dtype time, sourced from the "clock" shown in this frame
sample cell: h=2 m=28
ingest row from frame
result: h=6 m=50
